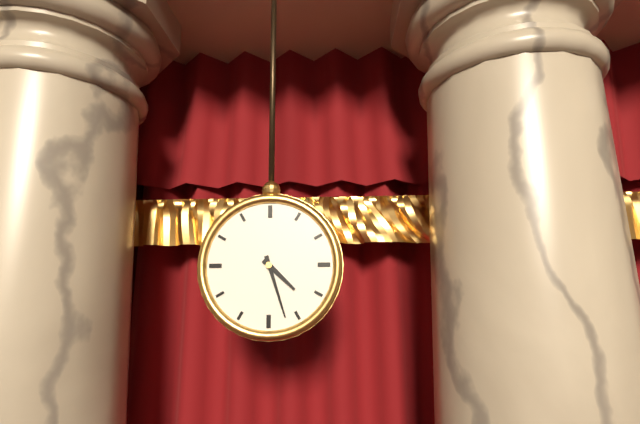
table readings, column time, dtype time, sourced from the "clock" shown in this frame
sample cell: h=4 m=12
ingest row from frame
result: h=4 m=27
